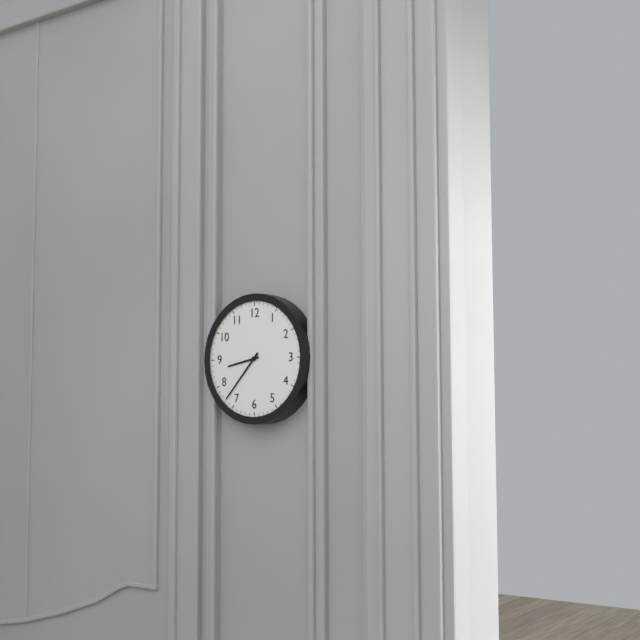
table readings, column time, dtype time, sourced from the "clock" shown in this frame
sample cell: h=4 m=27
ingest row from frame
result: h=8 m=37
